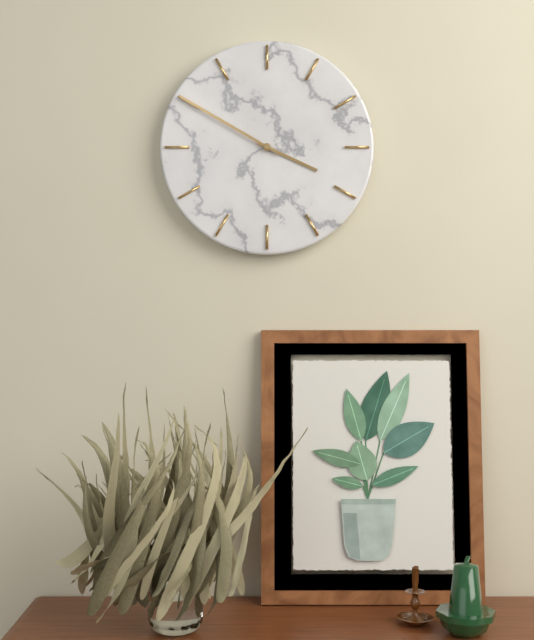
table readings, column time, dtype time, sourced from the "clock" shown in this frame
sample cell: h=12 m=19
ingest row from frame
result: h=3 m=50
